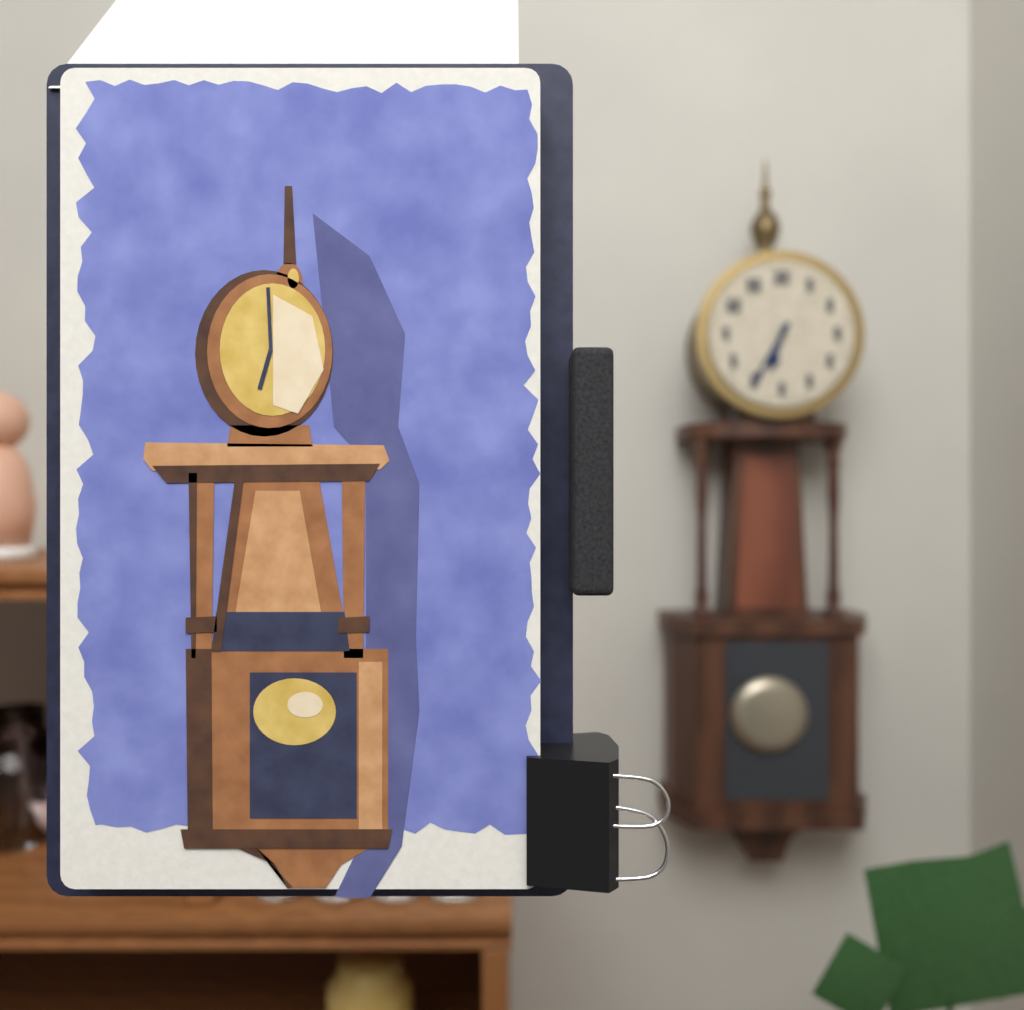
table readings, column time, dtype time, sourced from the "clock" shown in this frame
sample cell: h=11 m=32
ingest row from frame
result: h=6 m=35
